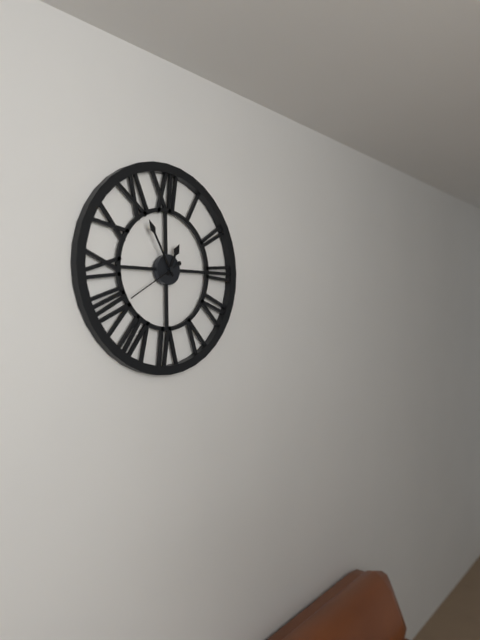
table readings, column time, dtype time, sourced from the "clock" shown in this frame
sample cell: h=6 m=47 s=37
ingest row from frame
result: h=12 m=55 s=40
